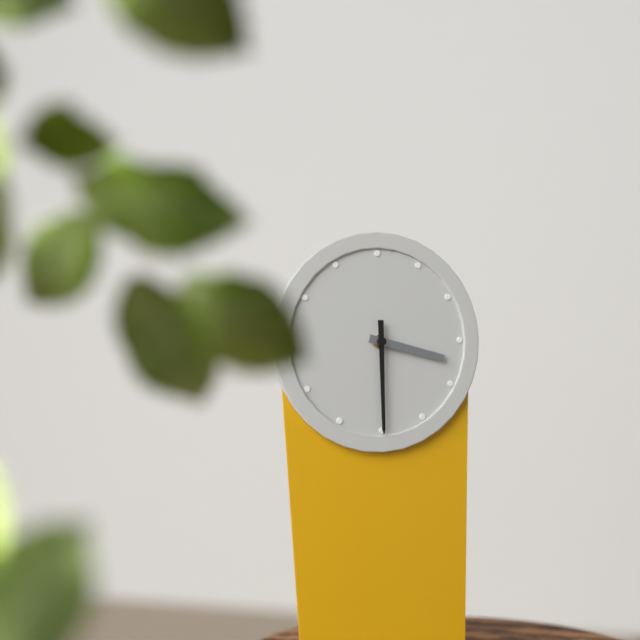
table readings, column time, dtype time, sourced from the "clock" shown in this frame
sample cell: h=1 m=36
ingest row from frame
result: h=3 m=30
